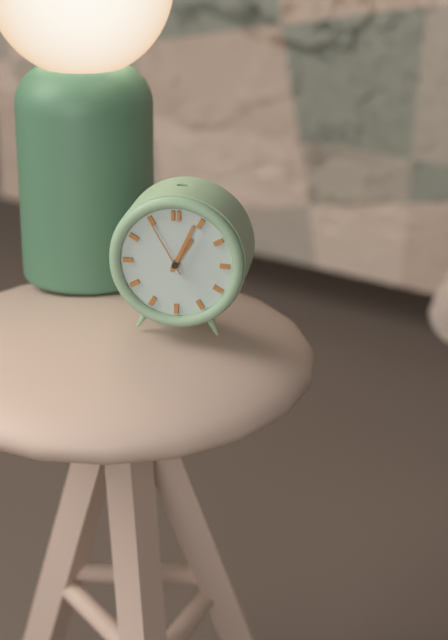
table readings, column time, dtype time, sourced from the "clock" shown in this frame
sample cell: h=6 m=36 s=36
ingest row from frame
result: h=1 m=4 s=55
